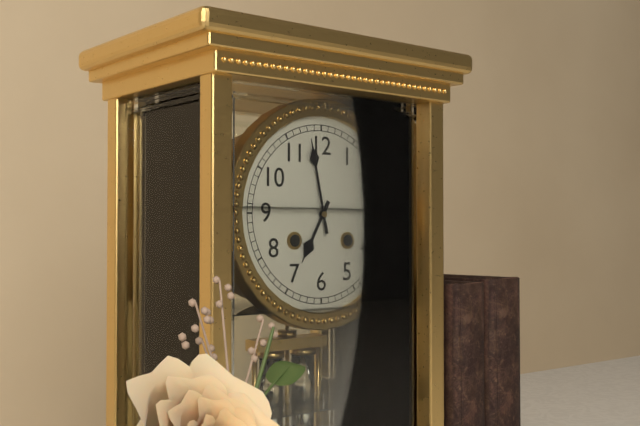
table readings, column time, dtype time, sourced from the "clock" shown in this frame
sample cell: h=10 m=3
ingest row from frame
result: h=6 m=58
